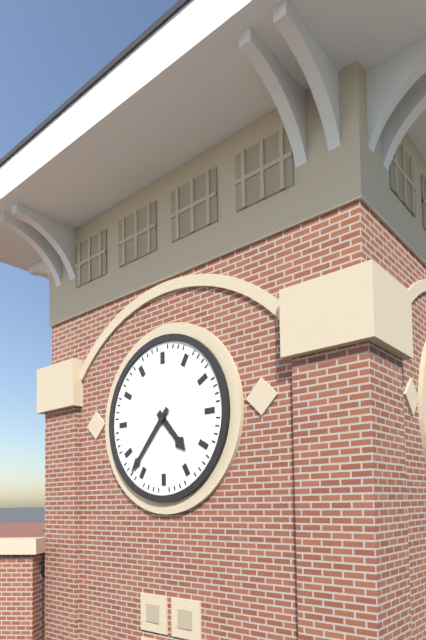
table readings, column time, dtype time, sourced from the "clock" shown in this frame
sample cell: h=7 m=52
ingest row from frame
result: h=4 m=37
